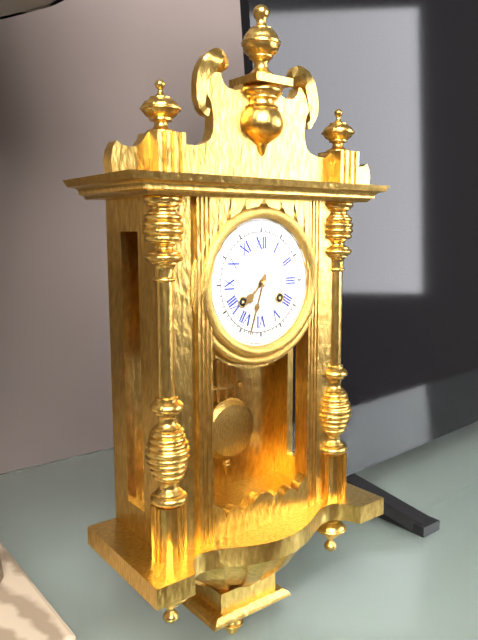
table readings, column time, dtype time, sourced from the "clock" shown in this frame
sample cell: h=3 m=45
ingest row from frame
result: h=7 m=33
